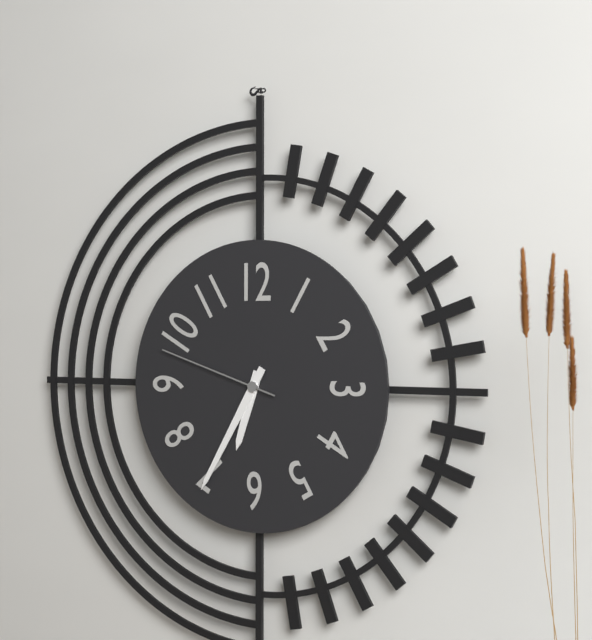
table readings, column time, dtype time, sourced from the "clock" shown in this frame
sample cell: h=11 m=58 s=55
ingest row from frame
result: h=6 m=35 s=48
